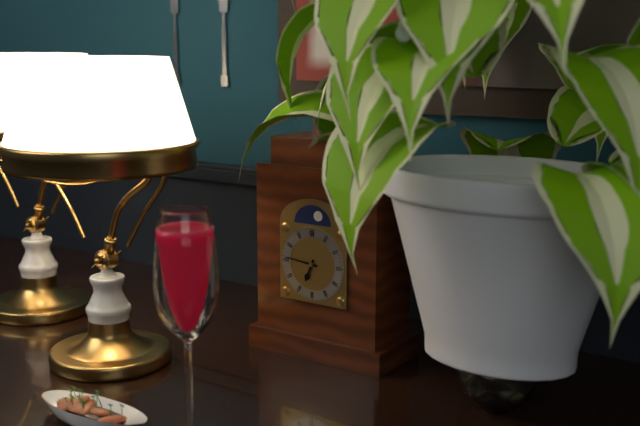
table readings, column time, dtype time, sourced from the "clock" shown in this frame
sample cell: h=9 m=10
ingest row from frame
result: h=6 m=46
